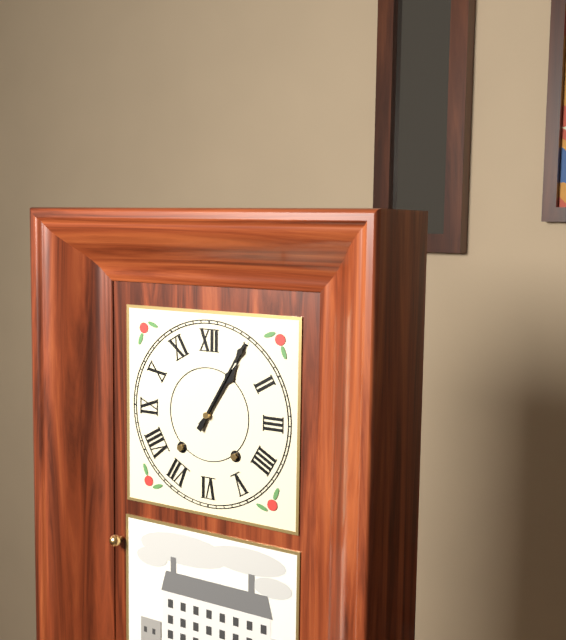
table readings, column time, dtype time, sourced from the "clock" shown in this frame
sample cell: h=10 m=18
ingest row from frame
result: h=1 m=5
